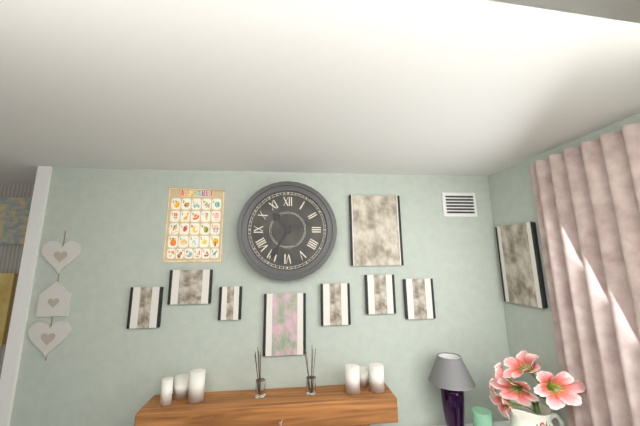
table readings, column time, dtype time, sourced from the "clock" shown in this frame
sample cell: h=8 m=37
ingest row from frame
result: h=10 m=35
